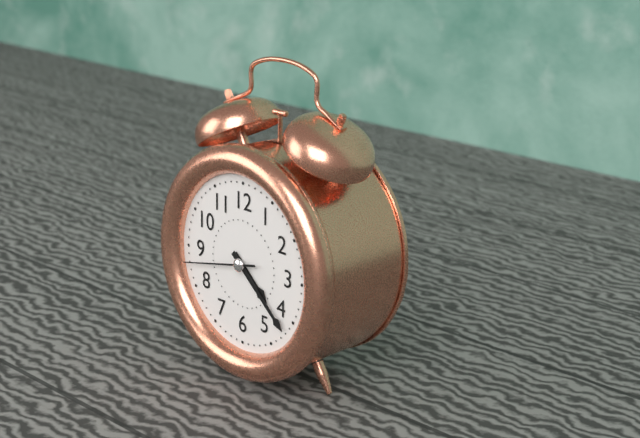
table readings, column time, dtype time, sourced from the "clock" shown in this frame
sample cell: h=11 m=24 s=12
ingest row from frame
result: h=4 m=22 s=43
